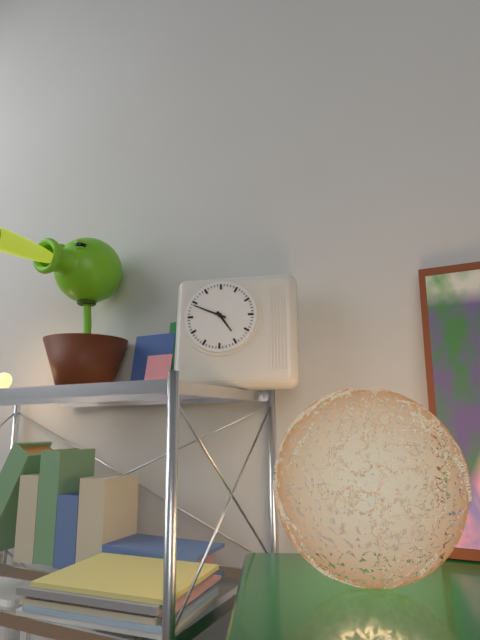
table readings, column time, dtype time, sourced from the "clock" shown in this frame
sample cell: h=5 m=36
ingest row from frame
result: h=4 m=49
